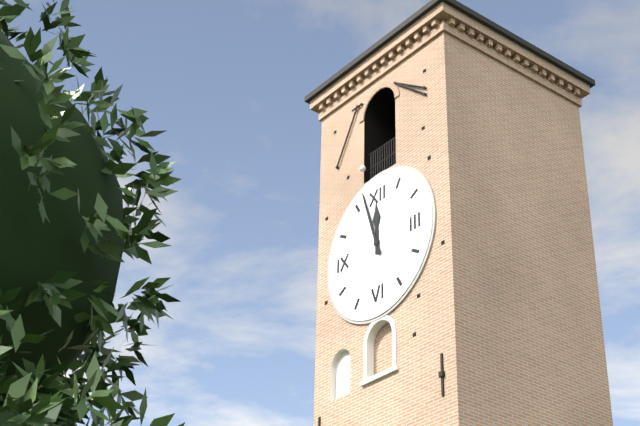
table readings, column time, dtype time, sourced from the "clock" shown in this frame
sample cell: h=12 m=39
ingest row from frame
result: h=11 m=57
